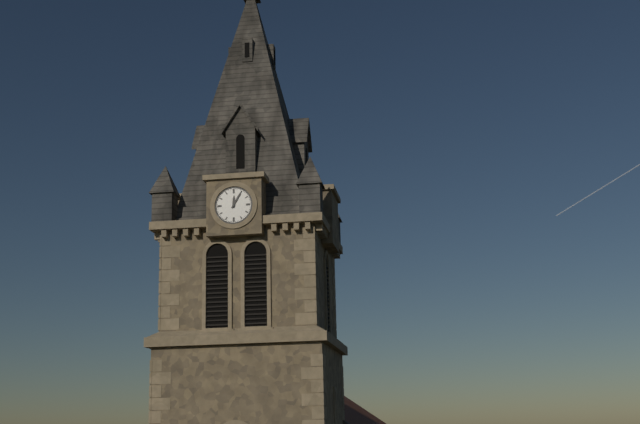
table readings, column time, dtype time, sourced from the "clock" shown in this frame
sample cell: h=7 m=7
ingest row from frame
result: h=12 m=5
